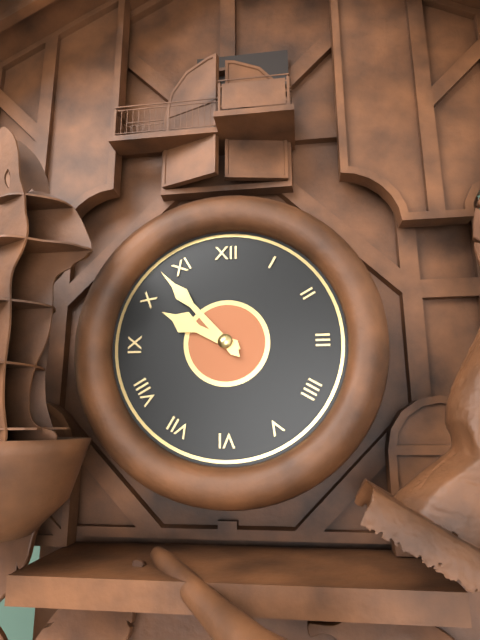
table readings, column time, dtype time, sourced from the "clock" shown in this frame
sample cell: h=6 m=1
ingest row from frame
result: h=9 m=53
